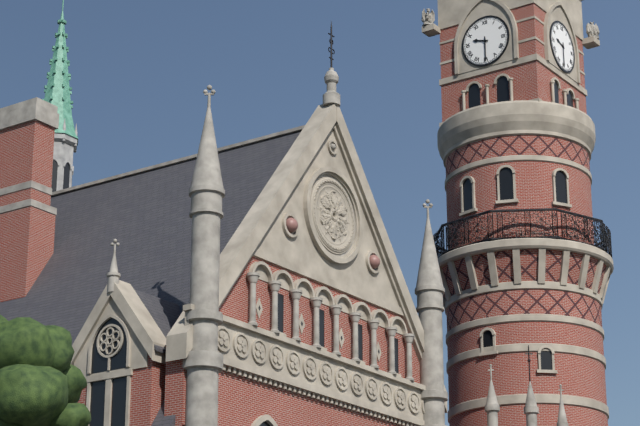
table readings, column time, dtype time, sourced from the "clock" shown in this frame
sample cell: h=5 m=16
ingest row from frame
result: h=9 m=30
